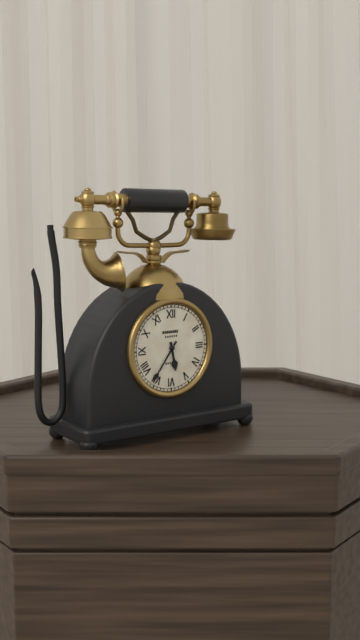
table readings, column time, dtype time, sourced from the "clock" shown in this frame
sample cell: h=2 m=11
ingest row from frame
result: h=5 m=36
